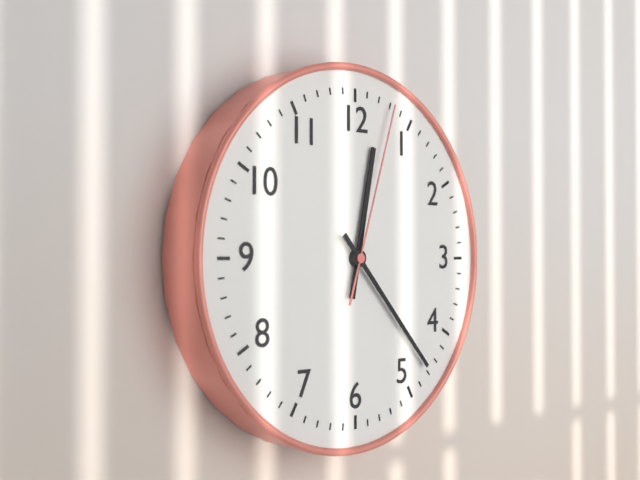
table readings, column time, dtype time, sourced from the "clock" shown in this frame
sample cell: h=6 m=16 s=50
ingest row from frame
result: h=12 m=23 s=3
